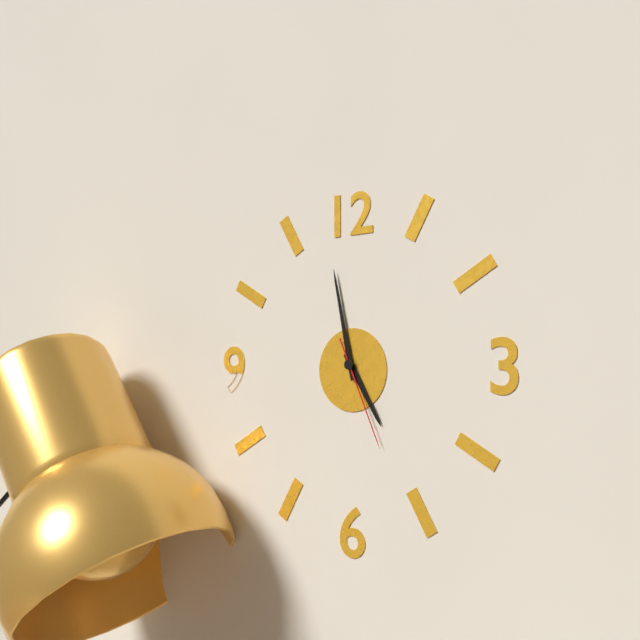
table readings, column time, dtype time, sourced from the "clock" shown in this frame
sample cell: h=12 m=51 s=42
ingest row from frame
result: h=4 m=58 s=26
